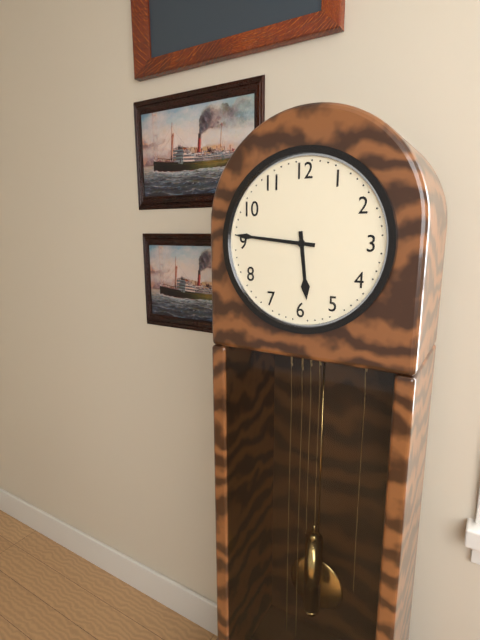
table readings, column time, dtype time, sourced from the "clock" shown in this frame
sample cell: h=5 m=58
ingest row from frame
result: h=5 m=46
